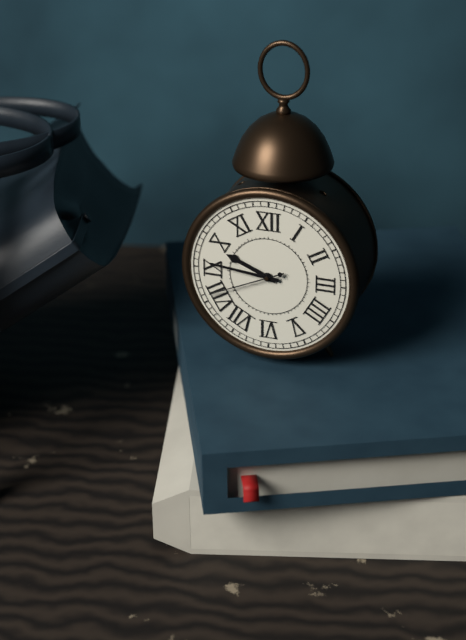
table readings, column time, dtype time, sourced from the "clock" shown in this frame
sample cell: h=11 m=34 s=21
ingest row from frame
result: h=9 m=46 s=41
